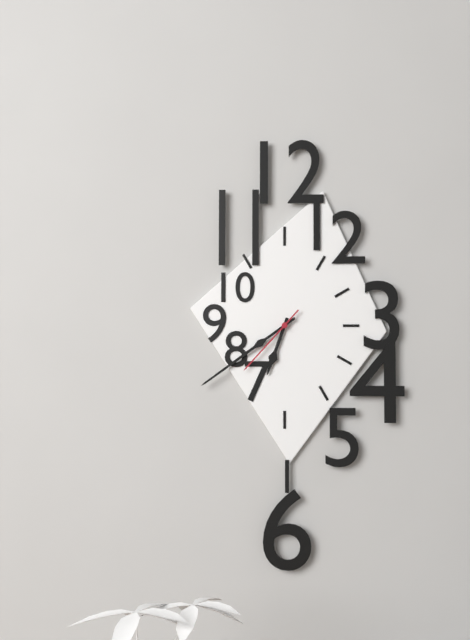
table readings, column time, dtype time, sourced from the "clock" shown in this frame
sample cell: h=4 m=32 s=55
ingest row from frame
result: h=6 m=39 s=37
